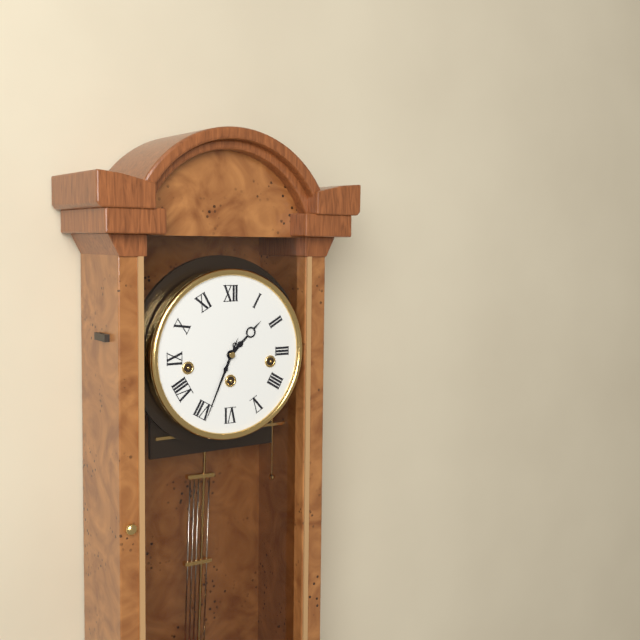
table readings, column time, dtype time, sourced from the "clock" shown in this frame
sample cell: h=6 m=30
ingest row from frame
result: h=1 m=34
